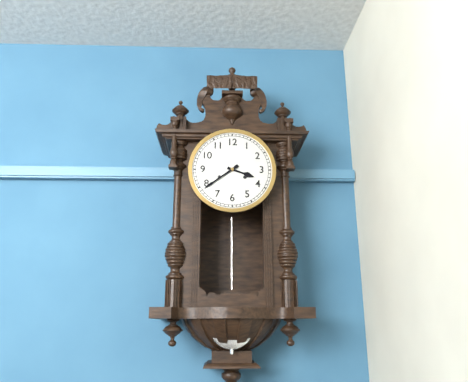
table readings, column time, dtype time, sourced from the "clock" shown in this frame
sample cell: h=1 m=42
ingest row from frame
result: h=3 m=39
